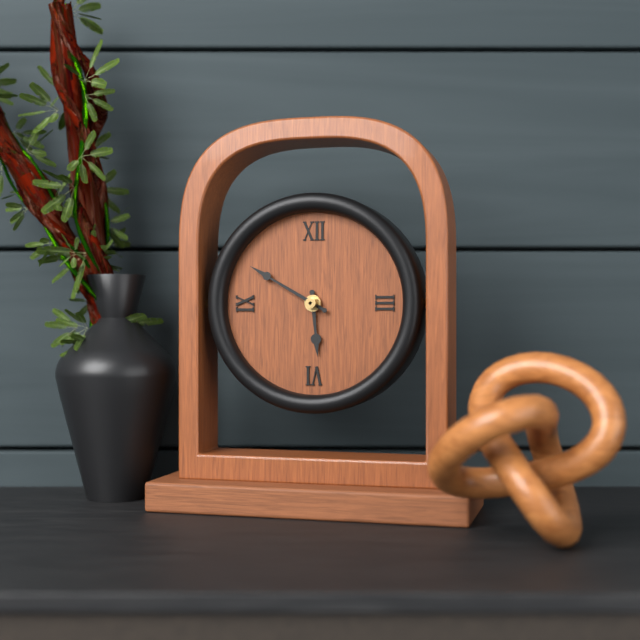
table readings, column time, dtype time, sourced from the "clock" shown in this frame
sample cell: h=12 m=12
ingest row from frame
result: h=5 m=50
